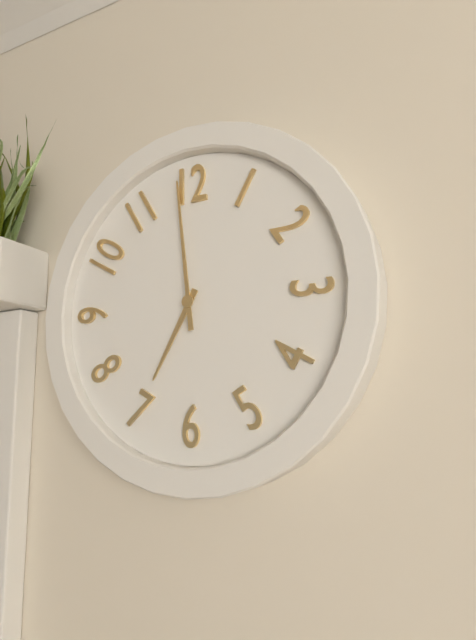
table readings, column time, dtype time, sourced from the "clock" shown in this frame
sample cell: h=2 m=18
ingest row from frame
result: h=6 m=59
